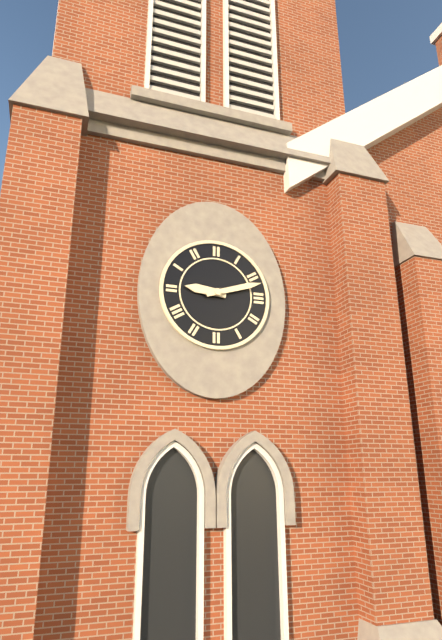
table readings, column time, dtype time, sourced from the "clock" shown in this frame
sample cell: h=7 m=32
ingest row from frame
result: h=9 m=12
